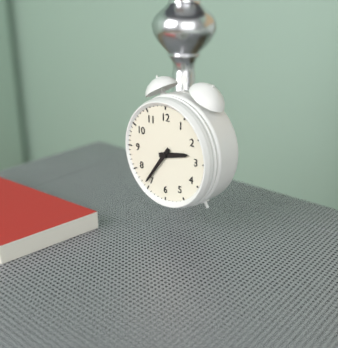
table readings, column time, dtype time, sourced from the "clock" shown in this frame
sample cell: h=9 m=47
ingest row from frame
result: h=2 m=36
